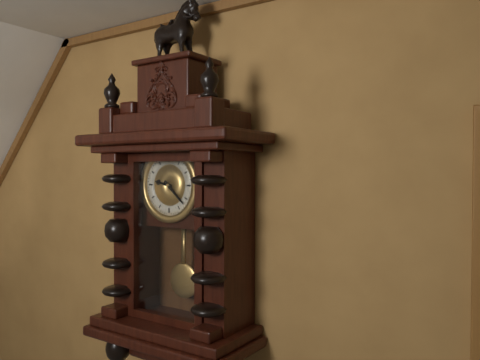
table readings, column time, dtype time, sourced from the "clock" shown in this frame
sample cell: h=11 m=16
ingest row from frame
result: h=9 m=22
